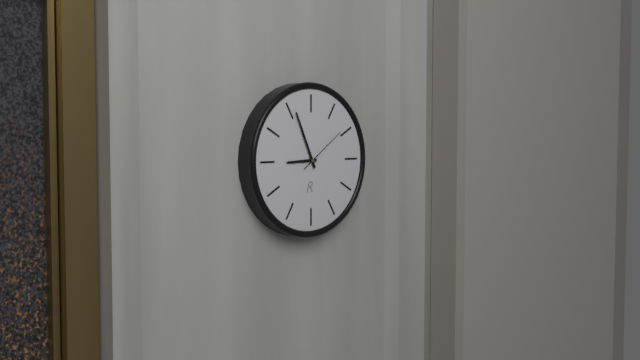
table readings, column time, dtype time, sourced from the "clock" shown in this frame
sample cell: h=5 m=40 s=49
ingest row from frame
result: h=8 m=56 s=9
